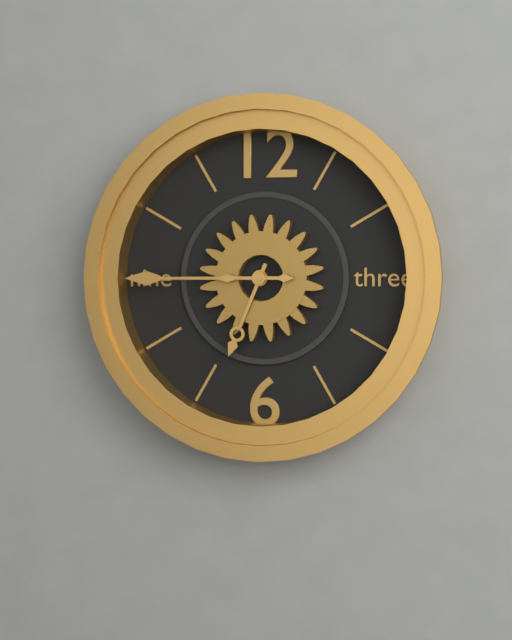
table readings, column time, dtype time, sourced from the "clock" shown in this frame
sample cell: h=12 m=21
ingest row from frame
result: h=6 m=45
